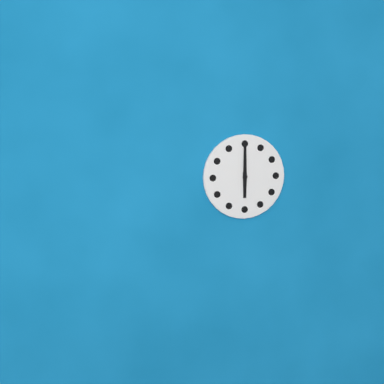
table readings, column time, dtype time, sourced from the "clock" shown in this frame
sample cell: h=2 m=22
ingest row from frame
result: h=6 m=0
